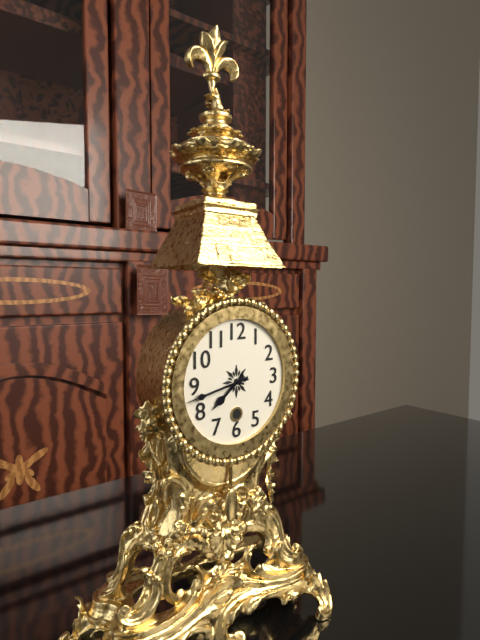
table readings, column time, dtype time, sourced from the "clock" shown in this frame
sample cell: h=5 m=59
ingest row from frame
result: h=7 m=43
